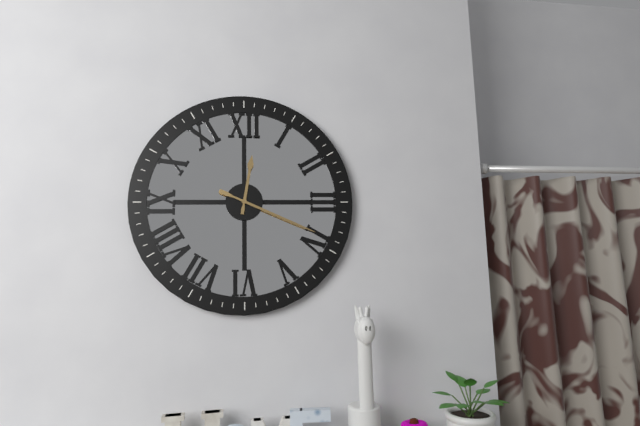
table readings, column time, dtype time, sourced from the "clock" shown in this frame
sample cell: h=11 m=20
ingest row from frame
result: h=12 m=19
